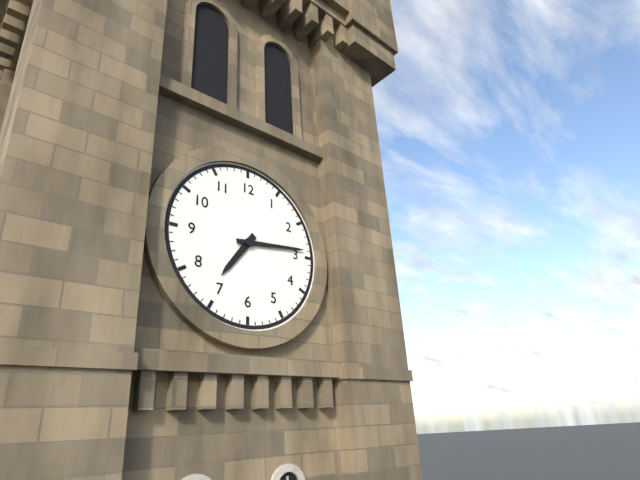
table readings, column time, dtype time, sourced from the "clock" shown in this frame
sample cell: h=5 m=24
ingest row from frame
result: h=7 m=14
